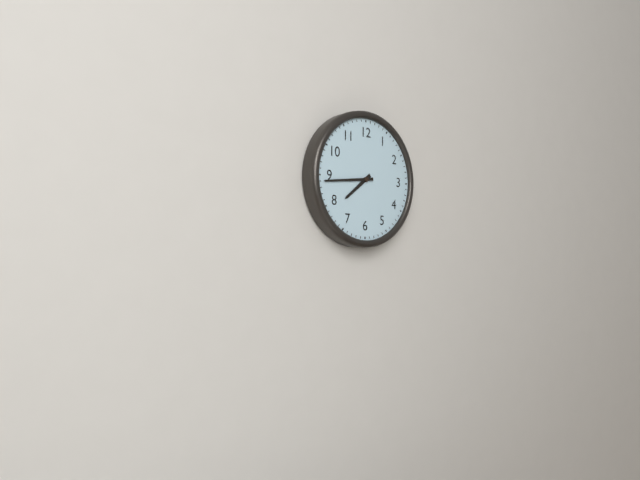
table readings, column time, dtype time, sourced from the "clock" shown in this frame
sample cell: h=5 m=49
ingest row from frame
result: h=7 m=44
